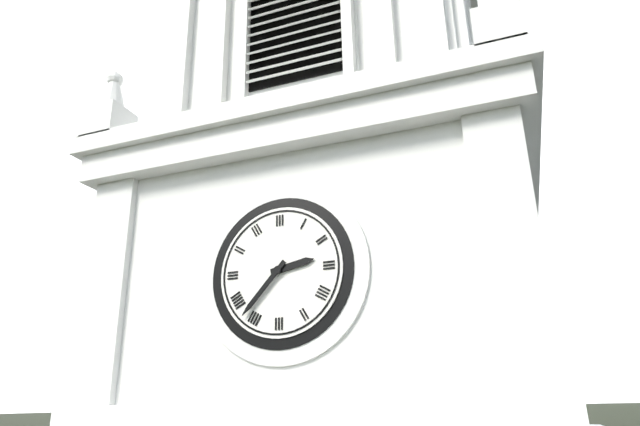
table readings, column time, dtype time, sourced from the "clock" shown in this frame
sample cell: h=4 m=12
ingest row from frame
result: h=2 m=37
